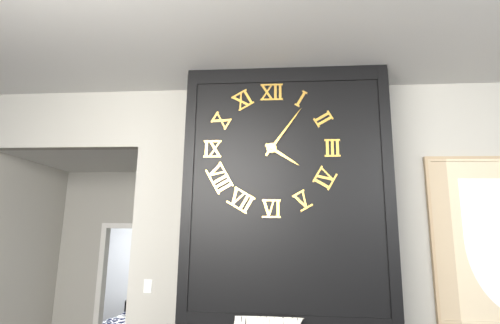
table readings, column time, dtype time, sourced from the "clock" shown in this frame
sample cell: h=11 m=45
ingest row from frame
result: h=4 m=6
